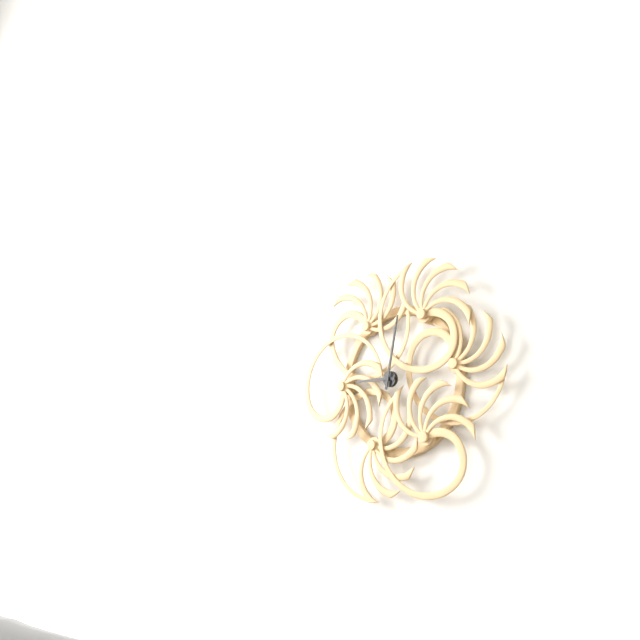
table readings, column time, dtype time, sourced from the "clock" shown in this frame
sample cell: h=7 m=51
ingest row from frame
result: h=9 m=2
